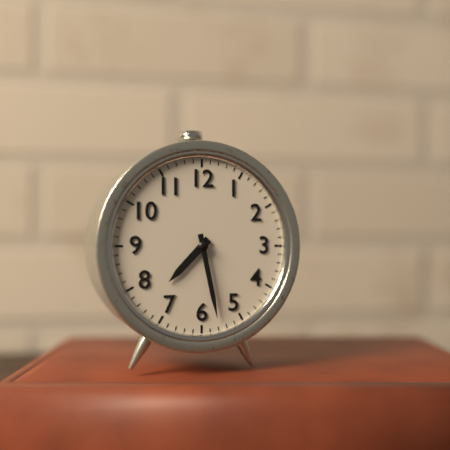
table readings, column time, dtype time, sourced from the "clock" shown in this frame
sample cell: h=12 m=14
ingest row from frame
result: h=7 m=28
